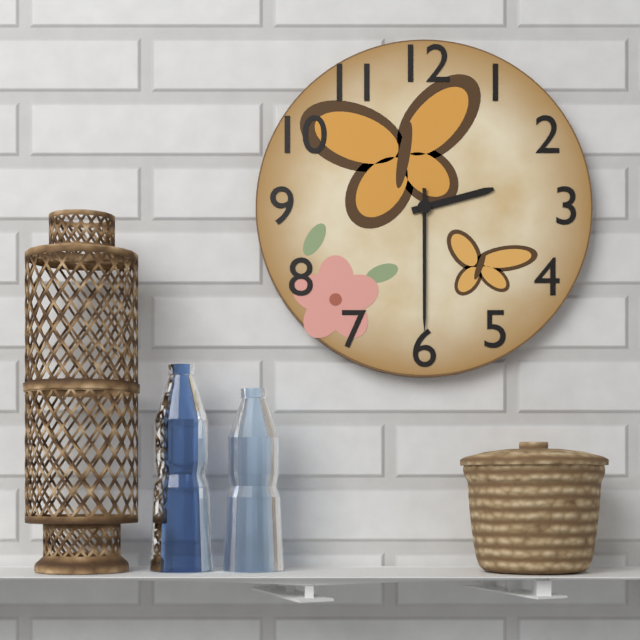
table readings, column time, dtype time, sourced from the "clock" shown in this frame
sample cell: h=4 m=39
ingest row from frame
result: h=2 m=30
